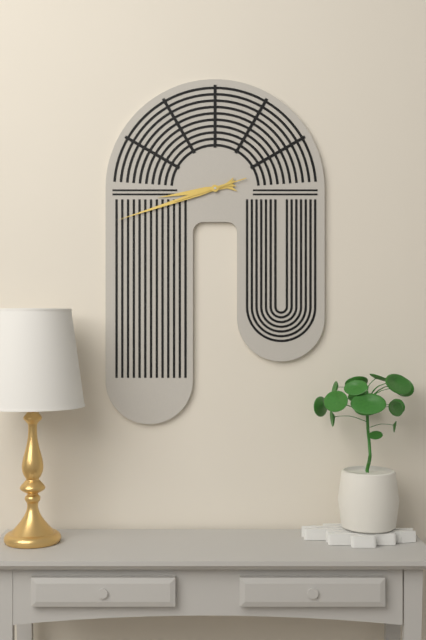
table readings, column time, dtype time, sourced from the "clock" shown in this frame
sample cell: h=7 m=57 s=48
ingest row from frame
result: h=8 m=42 s=42
